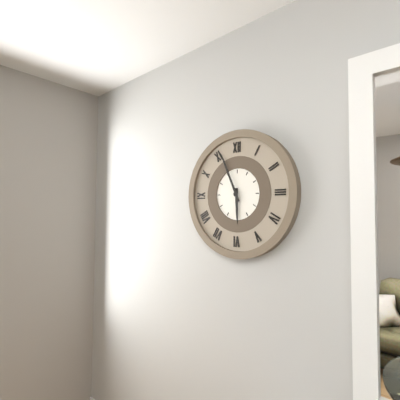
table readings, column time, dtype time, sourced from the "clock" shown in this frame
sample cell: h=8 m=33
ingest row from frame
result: h=5 m=56
